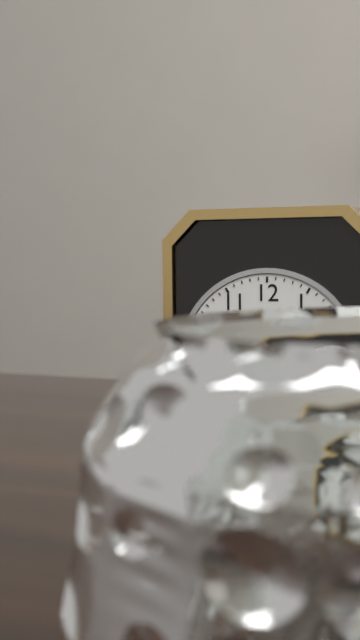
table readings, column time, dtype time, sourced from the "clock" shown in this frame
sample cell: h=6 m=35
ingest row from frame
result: h=11 m=11
